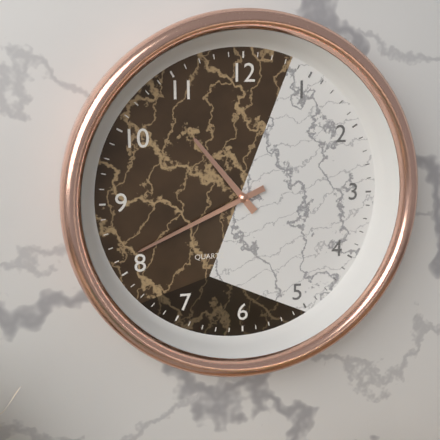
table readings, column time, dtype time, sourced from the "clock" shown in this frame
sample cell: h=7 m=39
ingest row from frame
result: h=10 m=41
